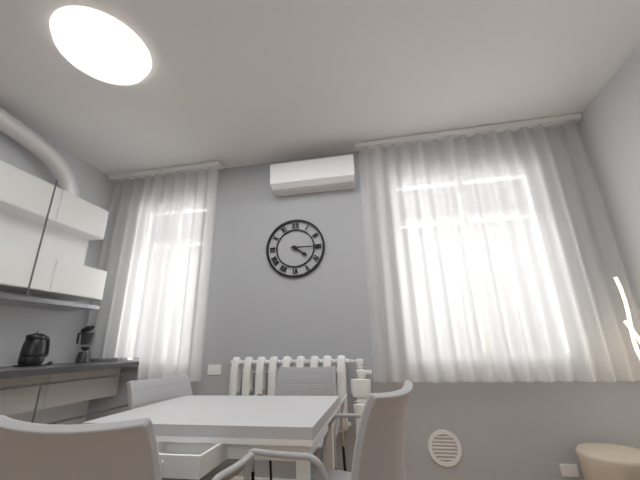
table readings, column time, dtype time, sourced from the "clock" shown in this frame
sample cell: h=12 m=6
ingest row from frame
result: h=4 m=15
